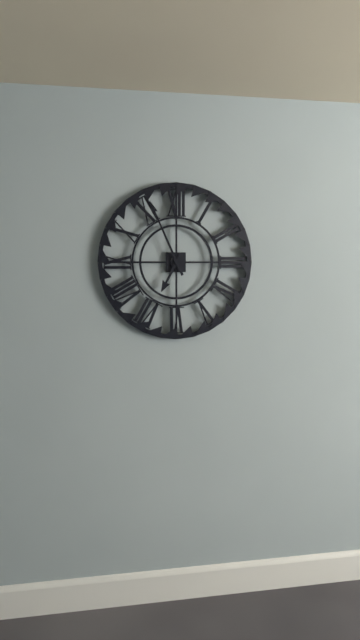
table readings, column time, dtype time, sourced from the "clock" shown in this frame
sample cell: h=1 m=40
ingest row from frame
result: h=6 m=56
